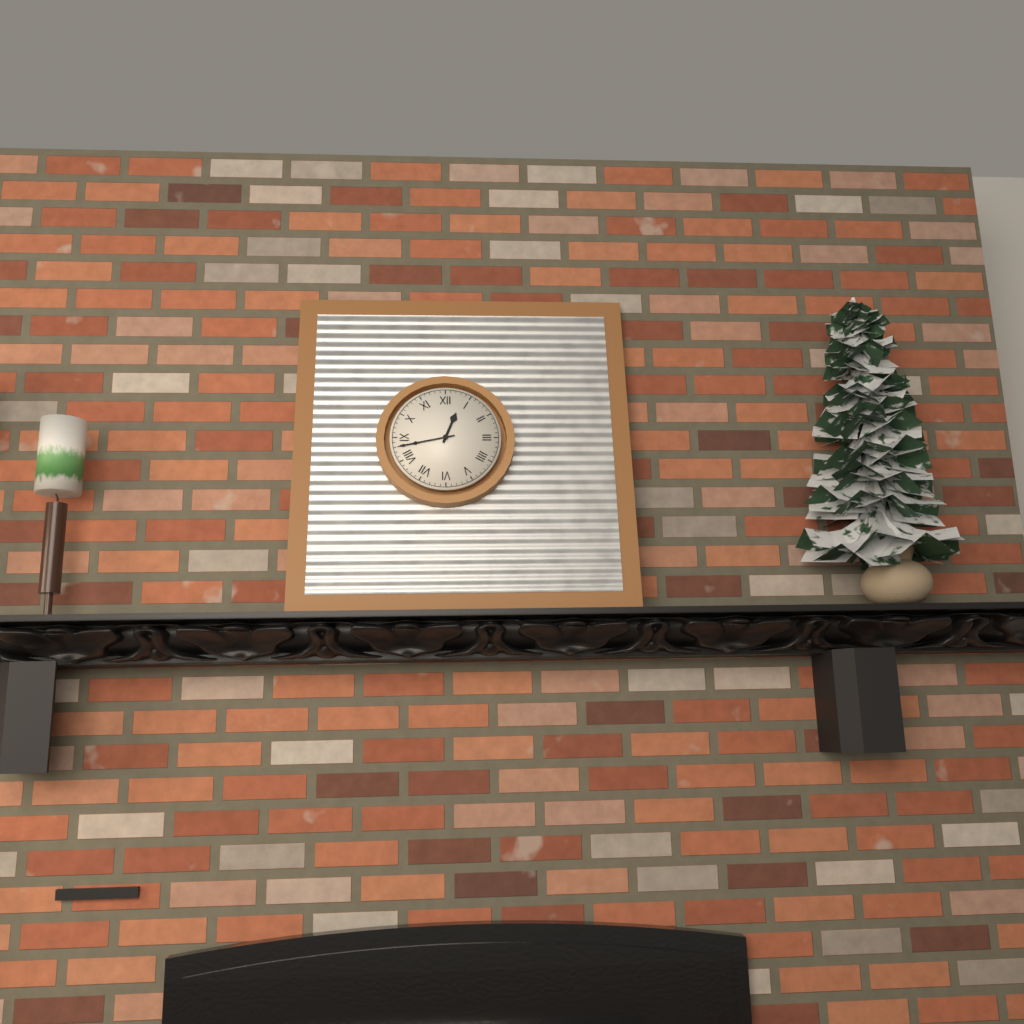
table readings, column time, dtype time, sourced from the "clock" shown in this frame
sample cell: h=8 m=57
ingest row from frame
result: h=12 m=43
